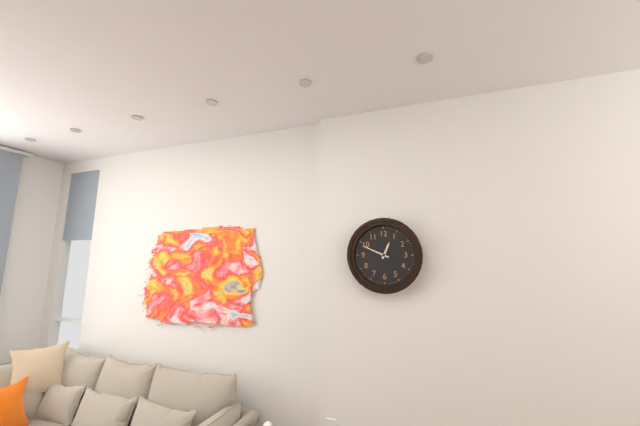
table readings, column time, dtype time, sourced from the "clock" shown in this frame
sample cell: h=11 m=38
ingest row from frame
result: h=12 m=49
